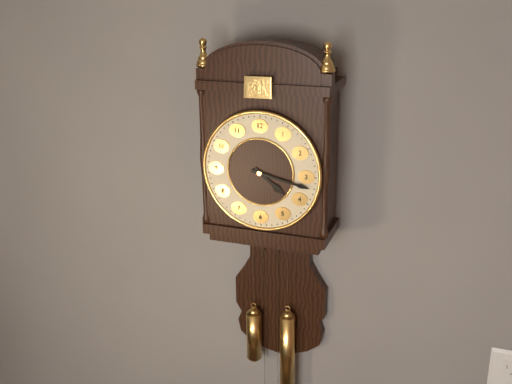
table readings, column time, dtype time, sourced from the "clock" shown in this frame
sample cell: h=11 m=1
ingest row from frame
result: h=4 m=17
